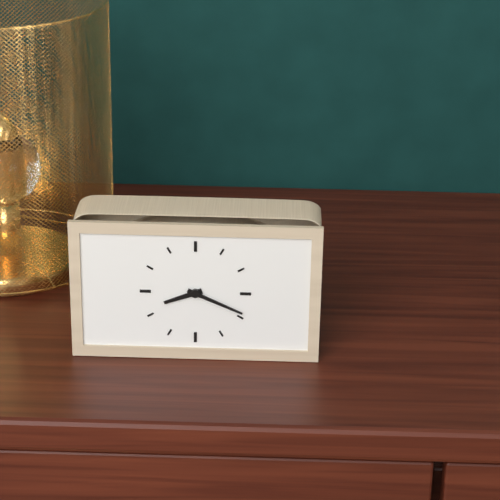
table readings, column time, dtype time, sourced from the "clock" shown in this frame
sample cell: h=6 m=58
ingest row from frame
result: h=8 m=19
